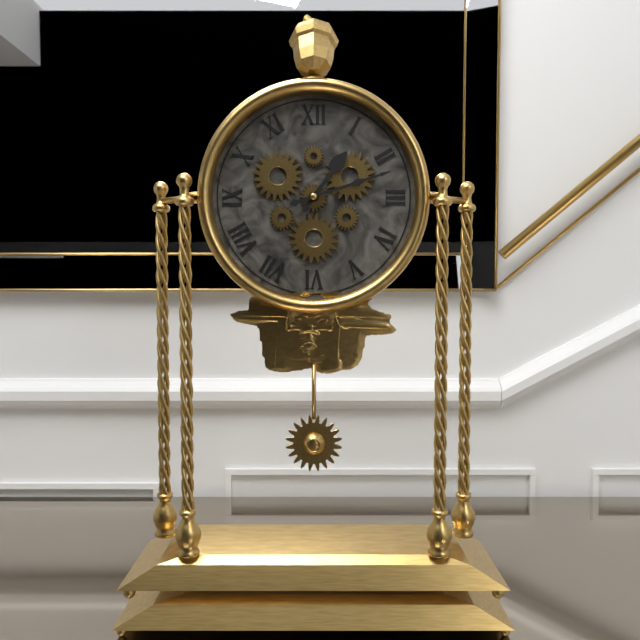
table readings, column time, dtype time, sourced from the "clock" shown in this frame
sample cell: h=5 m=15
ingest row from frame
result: h=1 m=12
